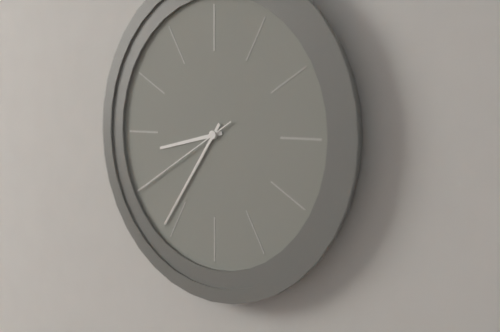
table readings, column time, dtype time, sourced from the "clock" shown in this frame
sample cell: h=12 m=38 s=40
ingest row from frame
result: h=8 m=36 s=40
